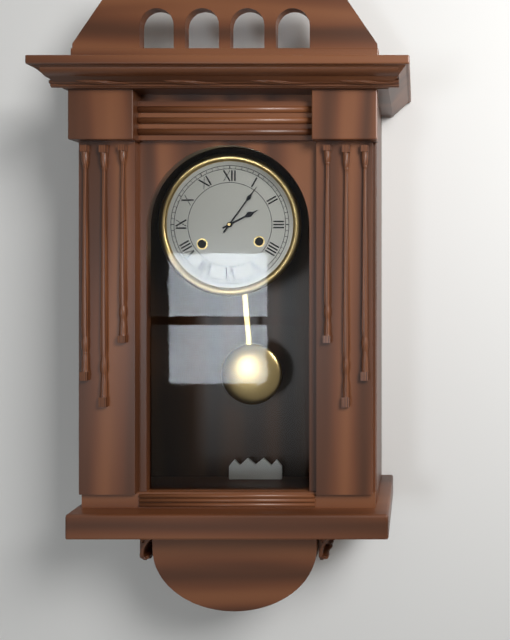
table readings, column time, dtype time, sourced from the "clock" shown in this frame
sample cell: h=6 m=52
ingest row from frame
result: h=2 m=6
